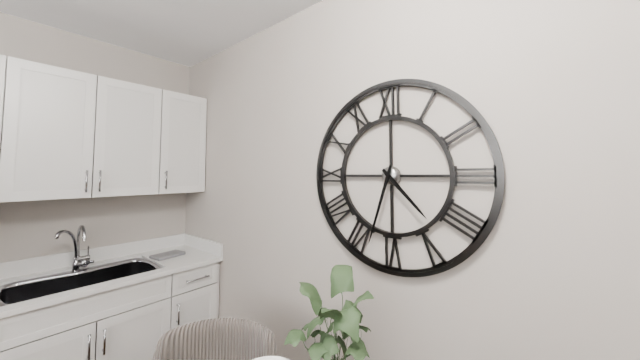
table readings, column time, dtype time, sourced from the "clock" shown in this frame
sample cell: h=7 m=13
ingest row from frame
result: h=4 m=33
